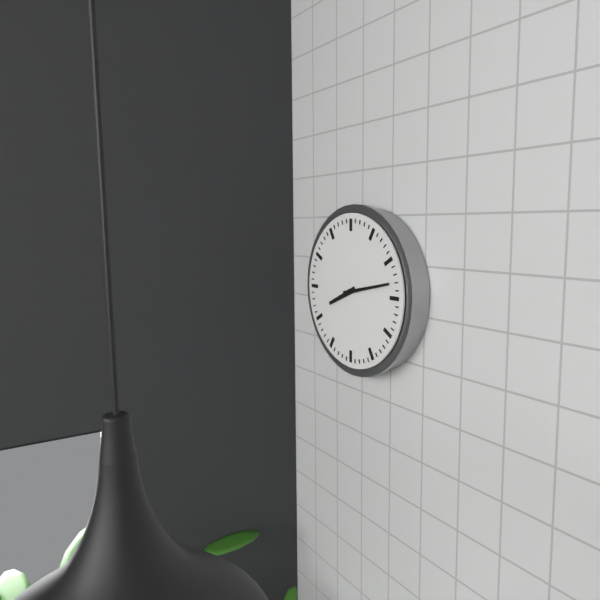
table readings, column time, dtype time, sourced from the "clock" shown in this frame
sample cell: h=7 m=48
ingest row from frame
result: h=8 m=13
